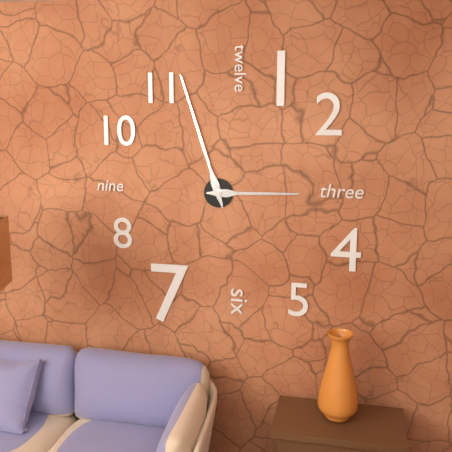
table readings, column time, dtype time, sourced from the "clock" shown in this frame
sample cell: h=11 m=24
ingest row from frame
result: h=2 m=57
